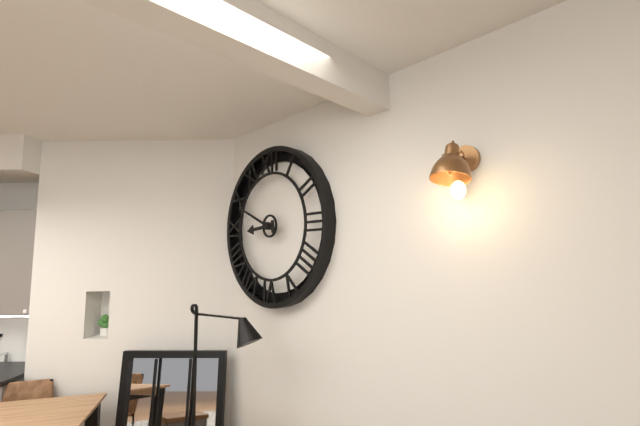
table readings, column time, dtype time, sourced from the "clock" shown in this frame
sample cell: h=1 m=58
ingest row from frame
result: h=8 m=49
